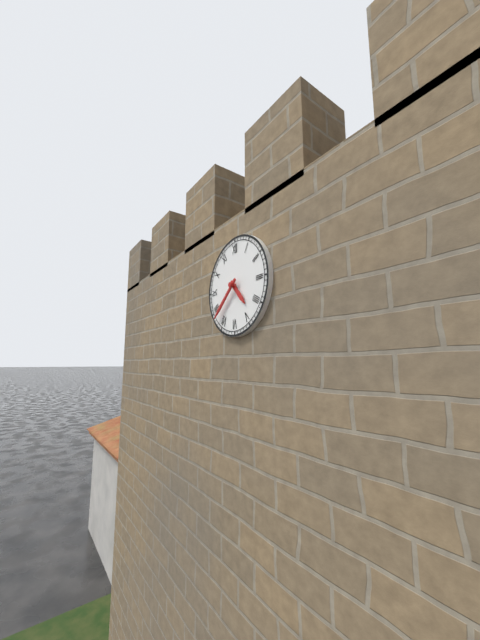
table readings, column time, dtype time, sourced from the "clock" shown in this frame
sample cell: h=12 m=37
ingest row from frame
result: h=4 m=38
